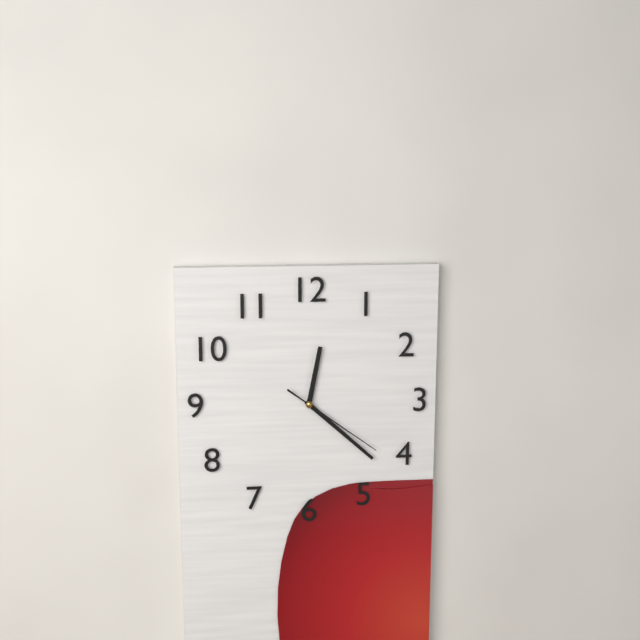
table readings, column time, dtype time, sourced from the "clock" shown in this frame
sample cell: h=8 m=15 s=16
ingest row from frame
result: h=12 m=22 s=21
